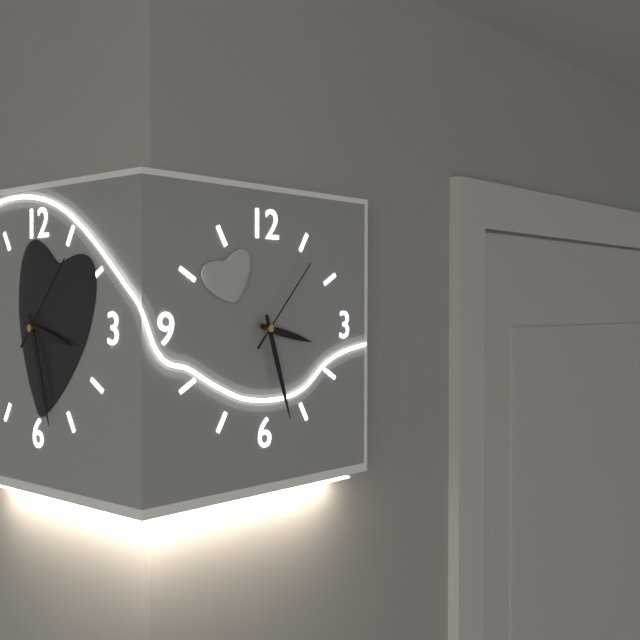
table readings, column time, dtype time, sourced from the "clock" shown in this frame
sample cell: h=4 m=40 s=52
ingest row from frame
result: h=3 m=27 s=7
